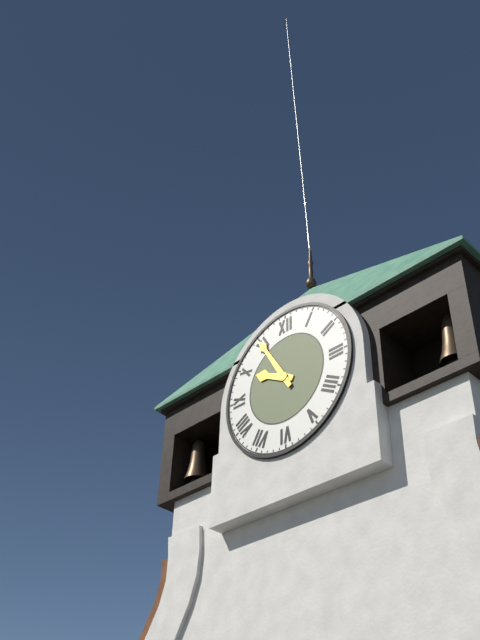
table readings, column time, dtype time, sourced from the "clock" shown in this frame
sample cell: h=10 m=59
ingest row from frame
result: h=9 m=55
